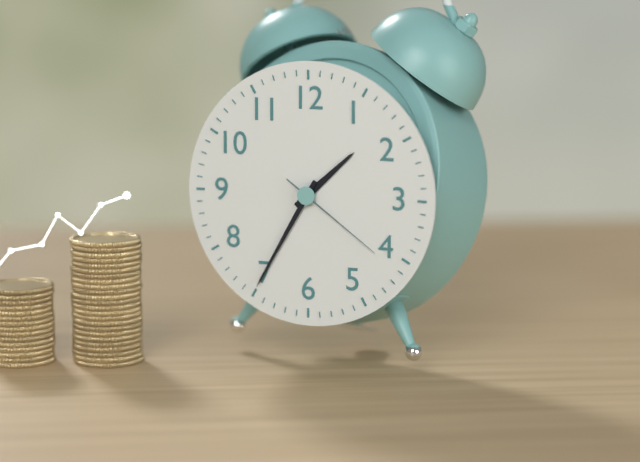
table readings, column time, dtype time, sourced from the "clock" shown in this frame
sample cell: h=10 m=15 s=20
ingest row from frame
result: h=1 m=35 s=21
